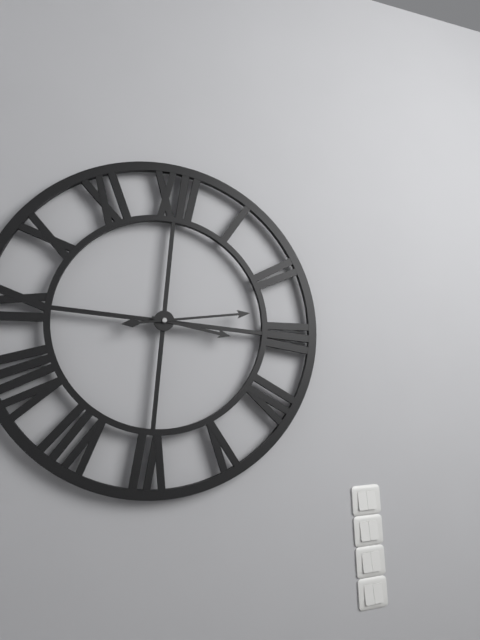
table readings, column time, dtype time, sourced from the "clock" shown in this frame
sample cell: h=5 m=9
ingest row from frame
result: h=3 m=13
